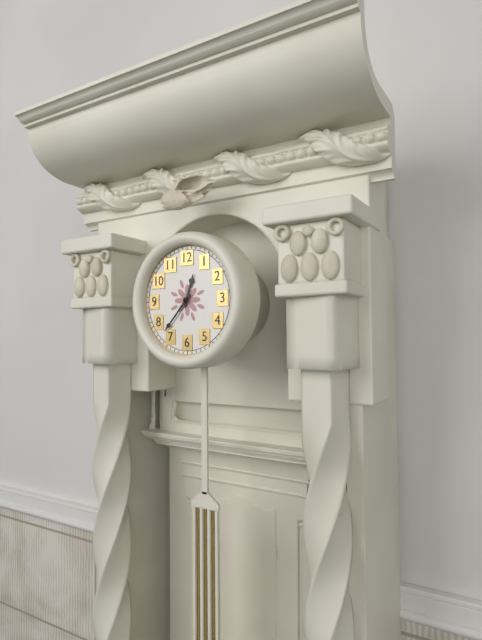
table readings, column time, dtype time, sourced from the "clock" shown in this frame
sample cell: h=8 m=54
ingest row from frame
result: h=12 m=37
